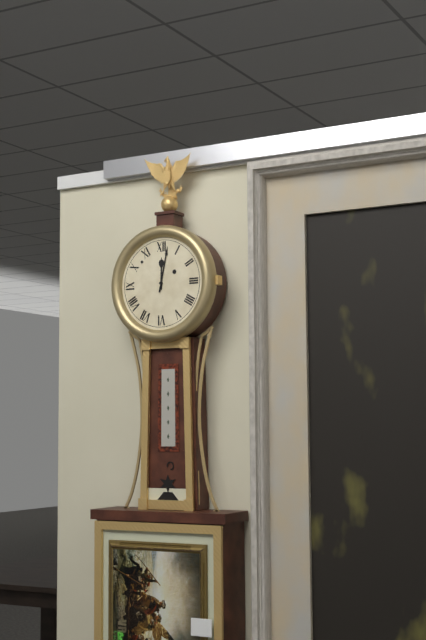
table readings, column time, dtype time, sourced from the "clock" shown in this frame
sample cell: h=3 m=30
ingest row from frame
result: h=12 m=2
